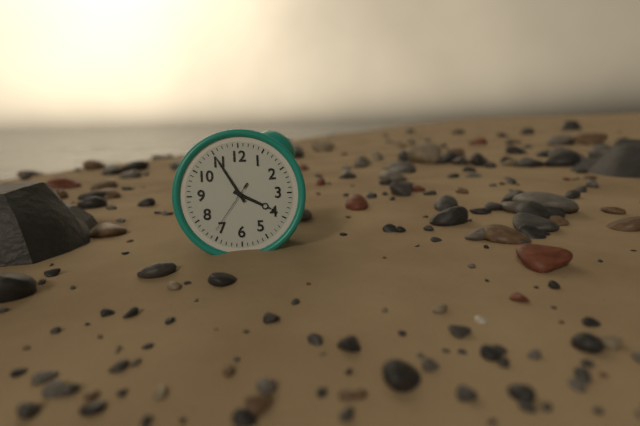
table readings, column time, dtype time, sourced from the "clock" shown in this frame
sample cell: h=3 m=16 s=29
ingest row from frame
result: h=3 m=55 s=36
